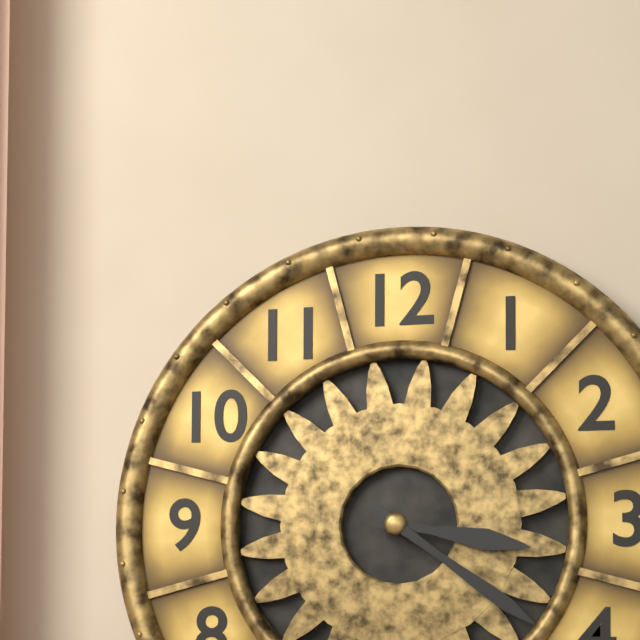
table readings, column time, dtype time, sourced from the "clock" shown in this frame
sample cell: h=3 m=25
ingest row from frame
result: h=3 m=21
